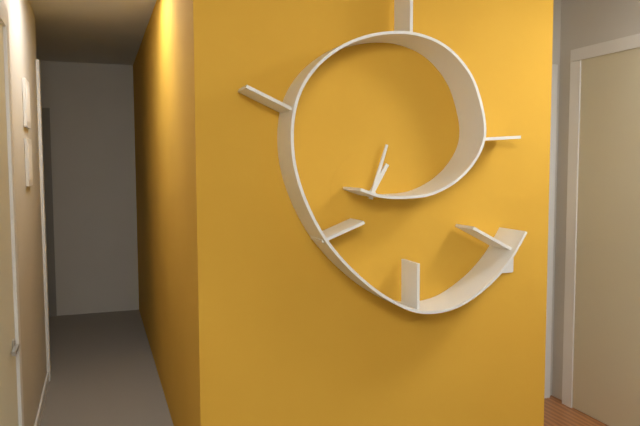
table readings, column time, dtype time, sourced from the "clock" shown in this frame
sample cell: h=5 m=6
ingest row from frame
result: h=1 m=3
